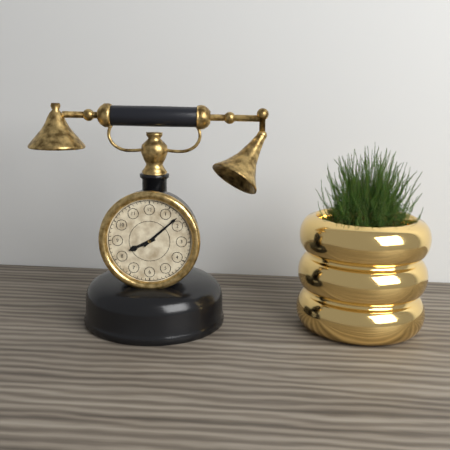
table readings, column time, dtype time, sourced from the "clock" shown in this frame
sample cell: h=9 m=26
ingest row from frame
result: h=8 m=8
